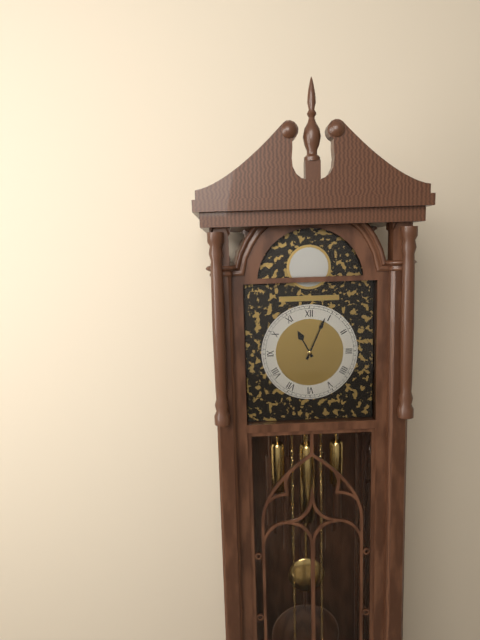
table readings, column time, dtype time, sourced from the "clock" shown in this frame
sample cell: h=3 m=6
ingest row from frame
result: h=11 m=4
